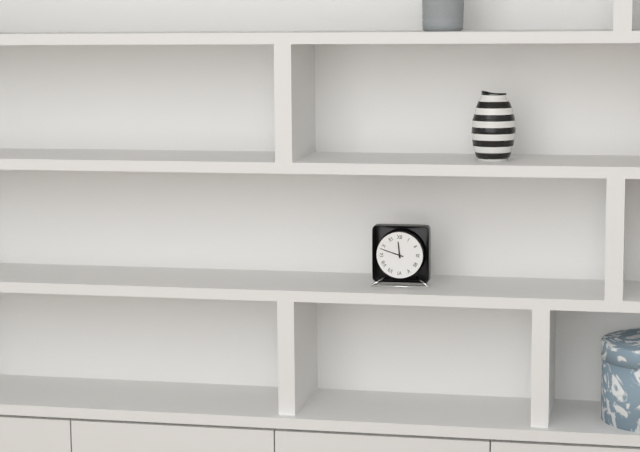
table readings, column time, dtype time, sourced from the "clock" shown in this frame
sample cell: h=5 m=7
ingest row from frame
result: h=11 m=48
